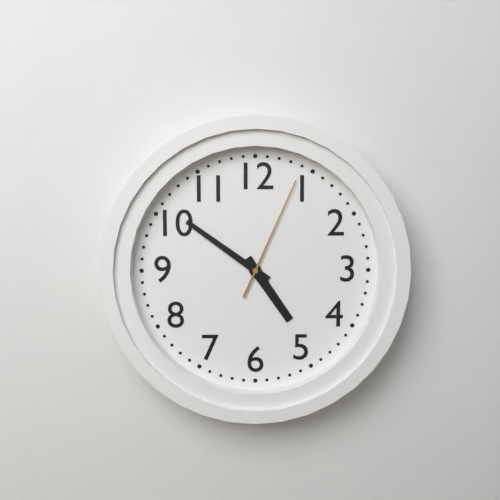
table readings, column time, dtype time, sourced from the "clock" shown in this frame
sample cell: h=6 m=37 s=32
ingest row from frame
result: h=4 m=51 s=4
